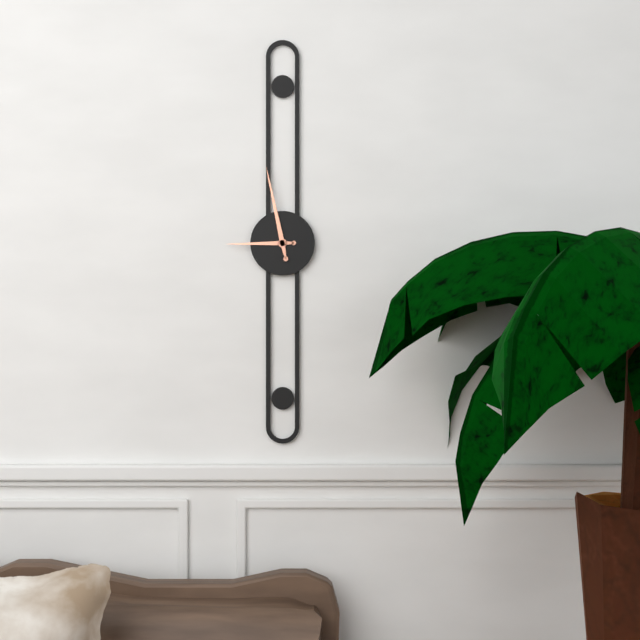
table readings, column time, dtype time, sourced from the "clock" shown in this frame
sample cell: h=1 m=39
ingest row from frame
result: h=8 m=58
